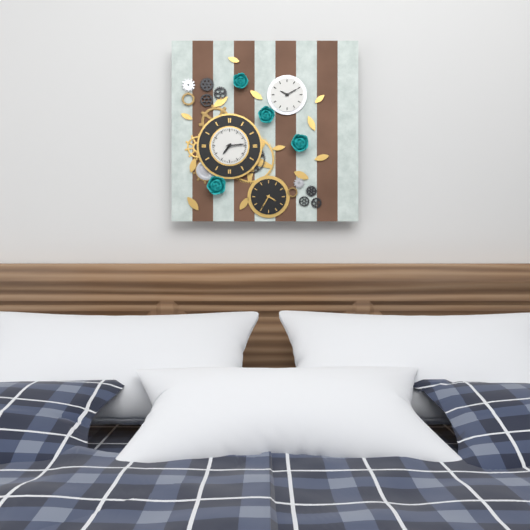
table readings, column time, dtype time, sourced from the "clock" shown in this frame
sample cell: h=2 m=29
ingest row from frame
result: h=7 m=14
